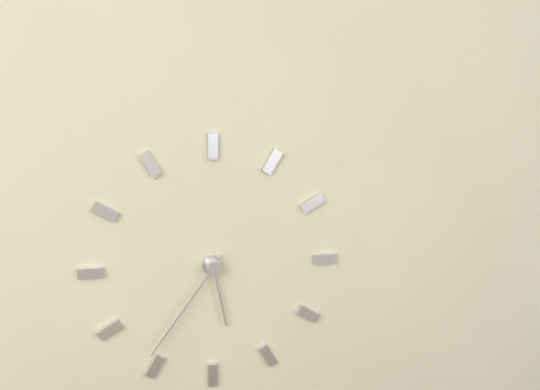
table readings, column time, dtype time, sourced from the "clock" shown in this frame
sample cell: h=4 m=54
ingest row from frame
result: h=5 m=36
